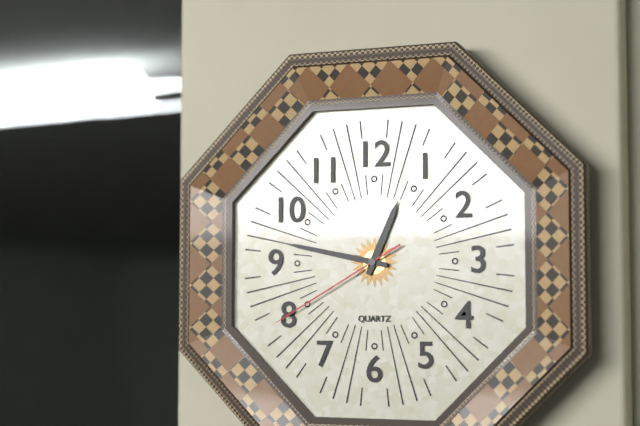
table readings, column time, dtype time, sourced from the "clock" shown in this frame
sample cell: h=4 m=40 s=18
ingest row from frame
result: h=12 m=47 s=40
